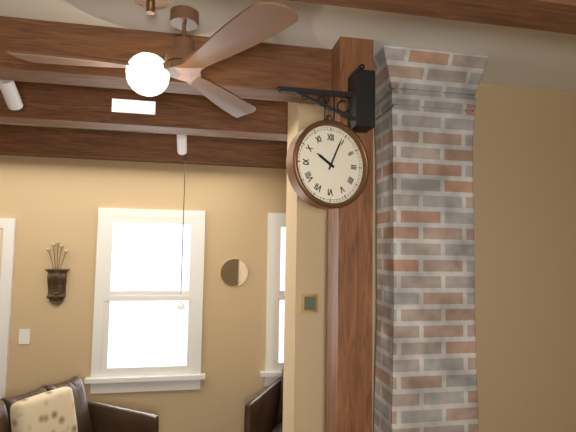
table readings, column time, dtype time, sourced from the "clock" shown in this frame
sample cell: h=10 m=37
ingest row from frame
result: h=10 m=4
